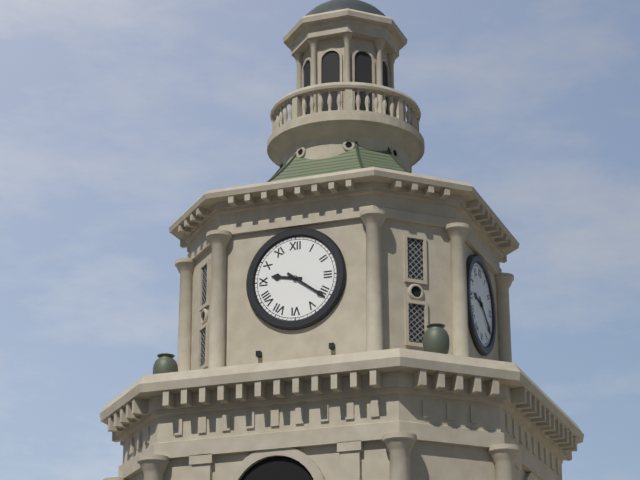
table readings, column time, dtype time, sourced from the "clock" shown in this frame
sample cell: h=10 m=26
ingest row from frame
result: h=9 m=21
